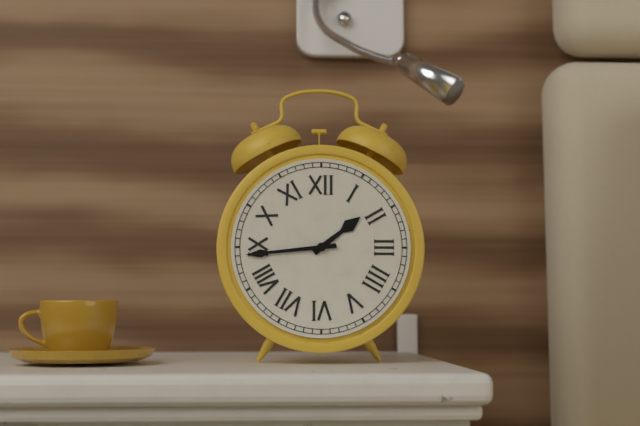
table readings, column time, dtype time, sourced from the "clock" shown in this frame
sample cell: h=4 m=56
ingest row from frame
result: h=1 m=44
